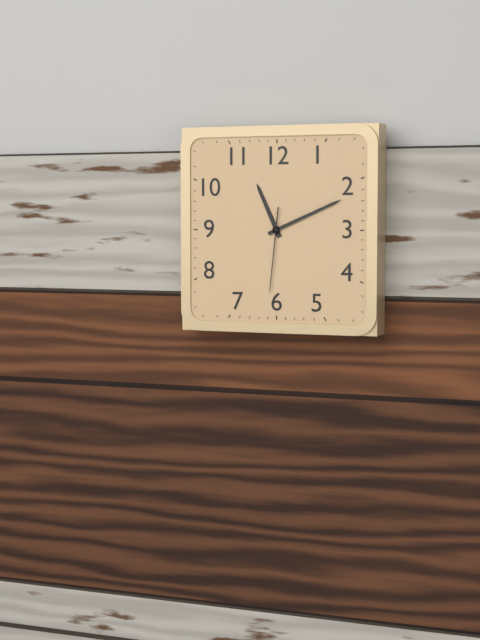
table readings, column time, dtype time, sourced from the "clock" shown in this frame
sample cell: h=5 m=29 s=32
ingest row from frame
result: h=11 m=11 s=31
